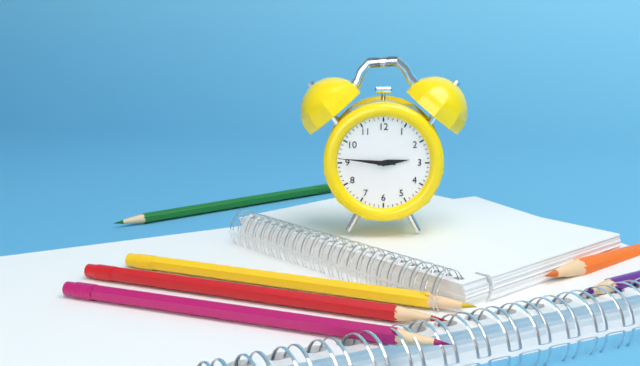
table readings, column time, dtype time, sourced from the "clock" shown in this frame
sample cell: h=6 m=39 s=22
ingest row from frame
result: h=2 m=46 s=46
